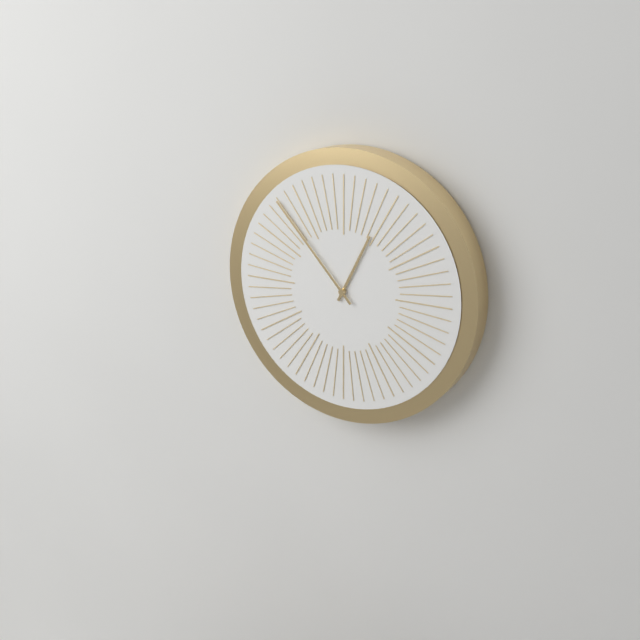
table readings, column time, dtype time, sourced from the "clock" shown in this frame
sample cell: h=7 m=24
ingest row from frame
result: h=12 m=53
